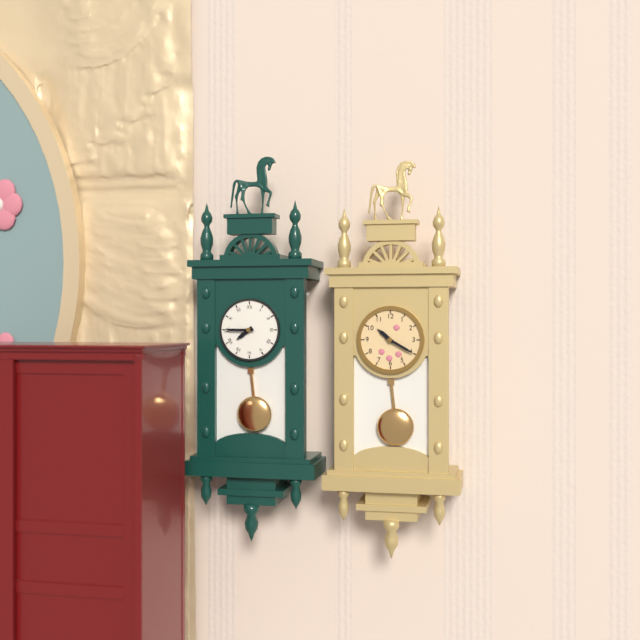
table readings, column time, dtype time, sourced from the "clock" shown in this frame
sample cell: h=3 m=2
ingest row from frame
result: h=7 m=45
